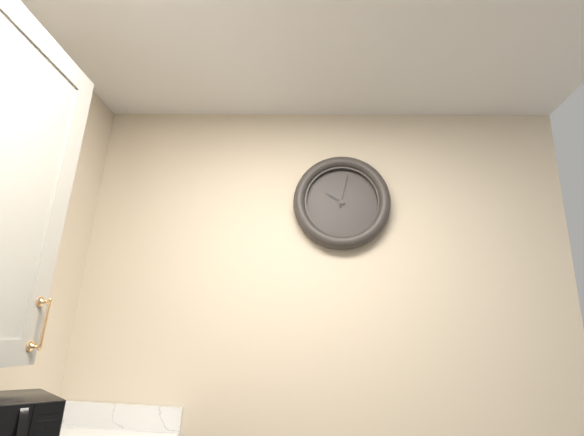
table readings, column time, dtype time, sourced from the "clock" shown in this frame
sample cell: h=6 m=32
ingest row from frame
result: h=10 m=2
